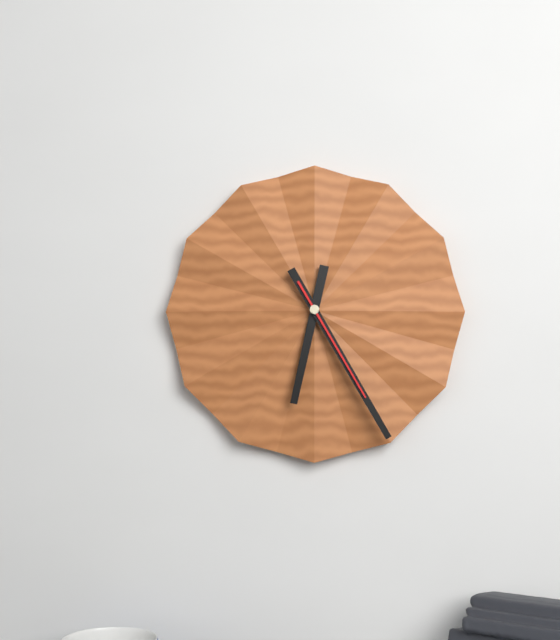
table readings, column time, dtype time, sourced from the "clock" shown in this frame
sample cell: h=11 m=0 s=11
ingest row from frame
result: h=6 m=25 s=25
